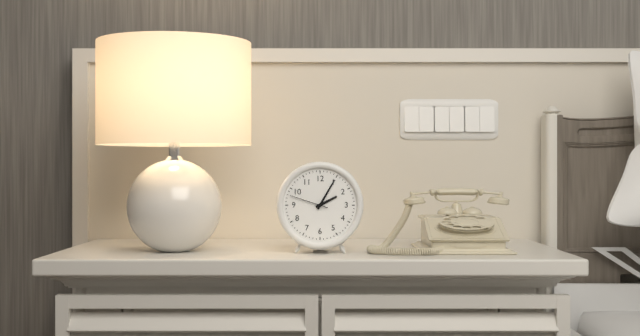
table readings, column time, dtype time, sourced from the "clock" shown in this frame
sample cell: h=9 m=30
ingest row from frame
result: h=2 m=5
